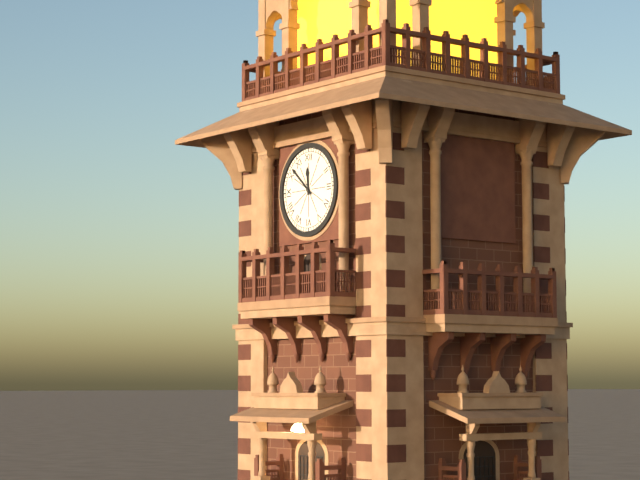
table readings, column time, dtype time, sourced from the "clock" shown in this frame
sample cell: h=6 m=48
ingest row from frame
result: h=11 m=52
